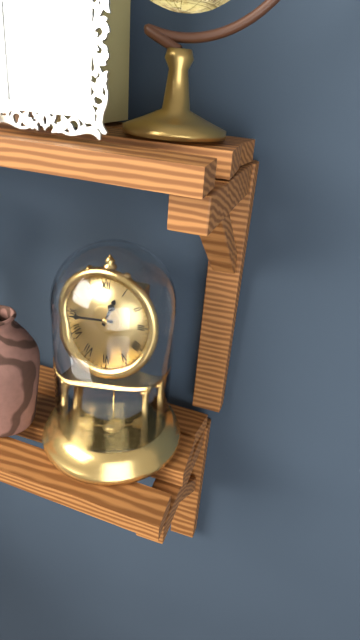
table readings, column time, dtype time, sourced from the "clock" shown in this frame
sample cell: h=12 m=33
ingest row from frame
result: h=12 m=44
